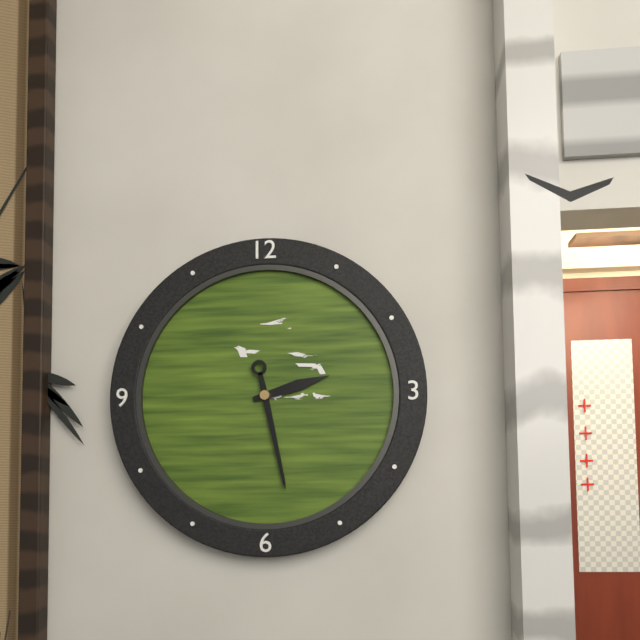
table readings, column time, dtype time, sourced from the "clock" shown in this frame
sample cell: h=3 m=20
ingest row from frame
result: h=2 m=28
